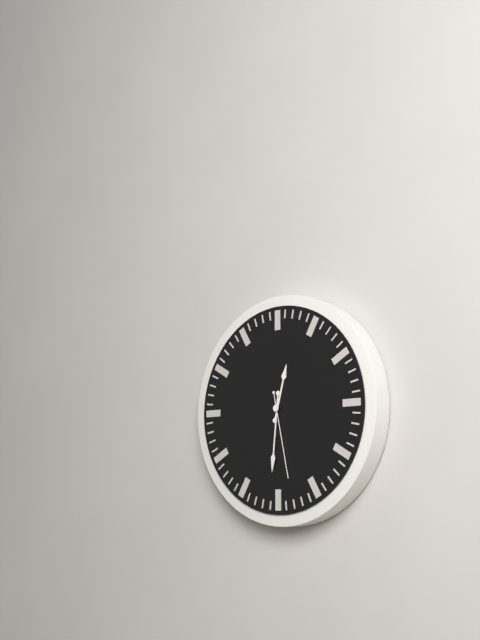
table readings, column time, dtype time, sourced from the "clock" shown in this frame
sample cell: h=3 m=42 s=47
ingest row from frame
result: h=12 m=31 s=28
